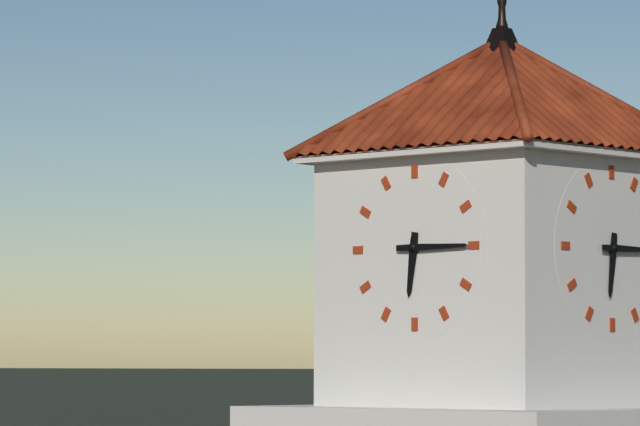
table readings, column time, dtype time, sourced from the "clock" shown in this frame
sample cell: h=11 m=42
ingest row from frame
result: h=6 m=15
